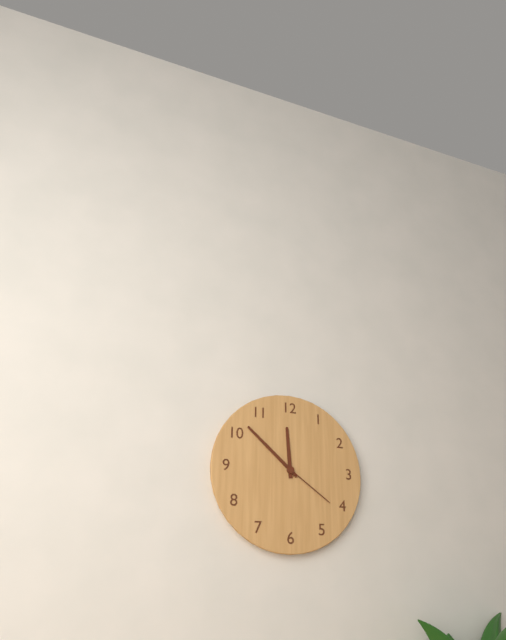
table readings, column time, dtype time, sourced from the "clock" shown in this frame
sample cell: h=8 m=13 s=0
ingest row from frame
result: h=11 m=52 s=21
